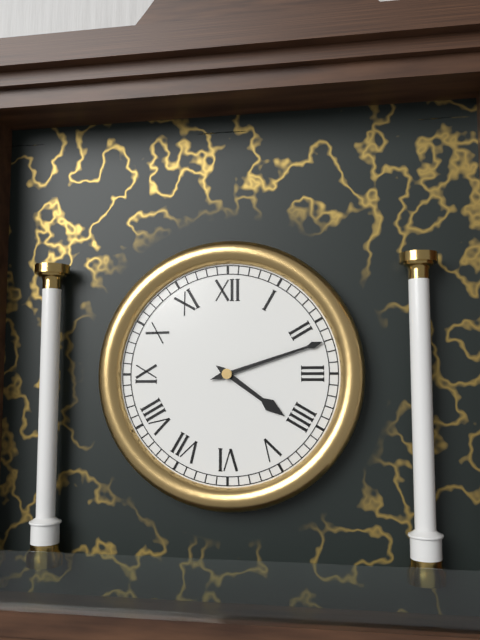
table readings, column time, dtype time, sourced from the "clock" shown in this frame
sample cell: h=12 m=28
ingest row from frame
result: h=4 m=12
